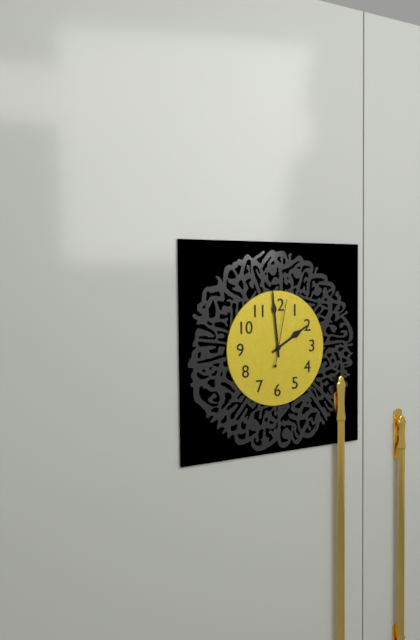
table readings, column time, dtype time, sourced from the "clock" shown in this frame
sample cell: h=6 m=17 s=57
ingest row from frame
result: h=1 m=59 s=2
